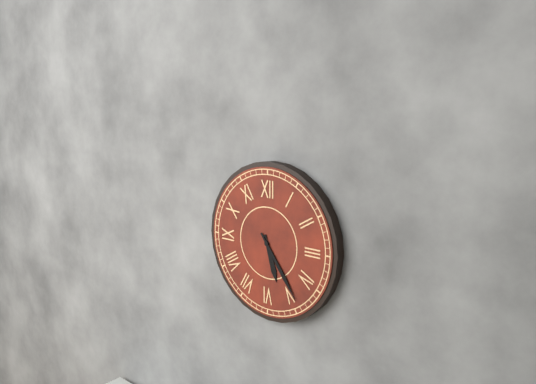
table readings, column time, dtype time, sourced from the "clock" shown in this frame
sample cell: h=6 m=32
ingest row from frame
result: h=5 m=24
